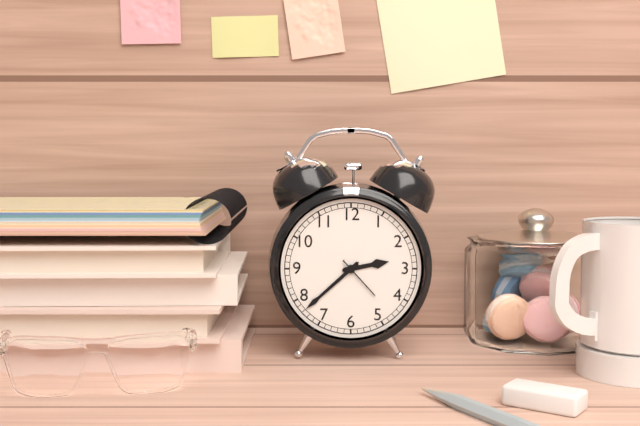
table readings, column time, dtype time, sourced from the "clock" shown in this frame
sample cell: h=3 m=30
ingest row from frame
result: h=2 m=38
